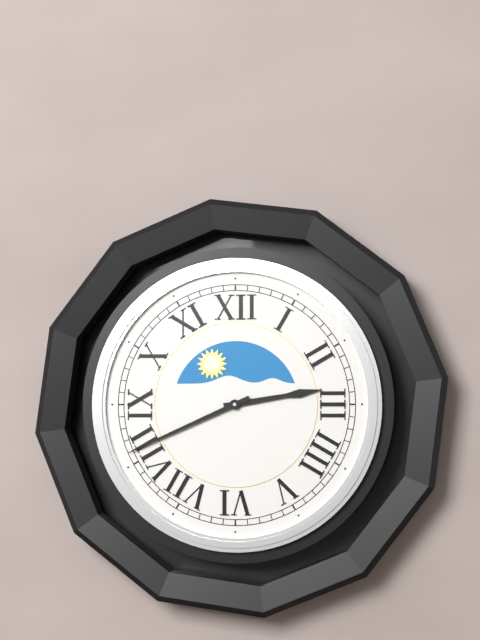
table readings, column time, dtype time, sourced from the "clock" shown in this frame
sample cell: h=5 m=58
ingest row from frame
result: h=2 m=41
